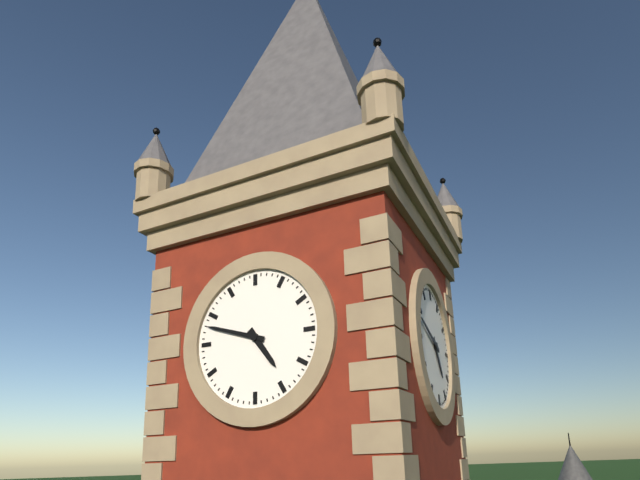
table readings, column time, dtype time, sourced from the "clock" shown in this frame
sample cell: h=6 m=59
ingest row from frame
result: h=4 m=48
